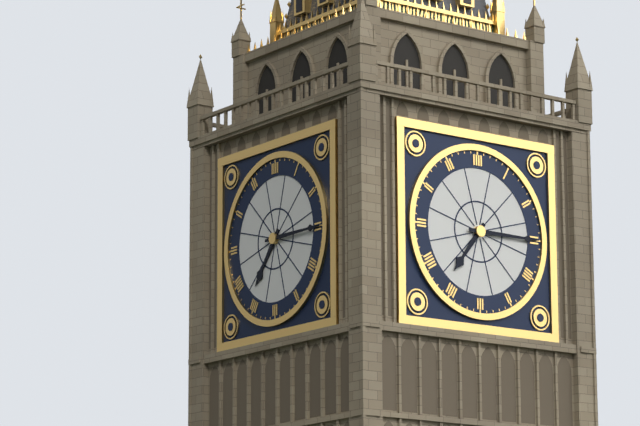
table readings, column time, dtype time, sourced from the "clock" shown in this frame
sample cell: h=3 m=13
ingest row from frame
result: h=7 m=15
